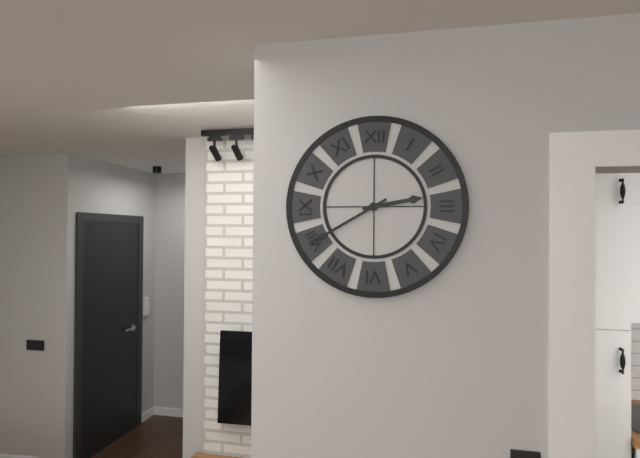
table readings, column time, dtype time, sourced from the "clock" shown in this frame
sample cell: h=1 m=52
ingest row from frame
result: h=2 m=40
